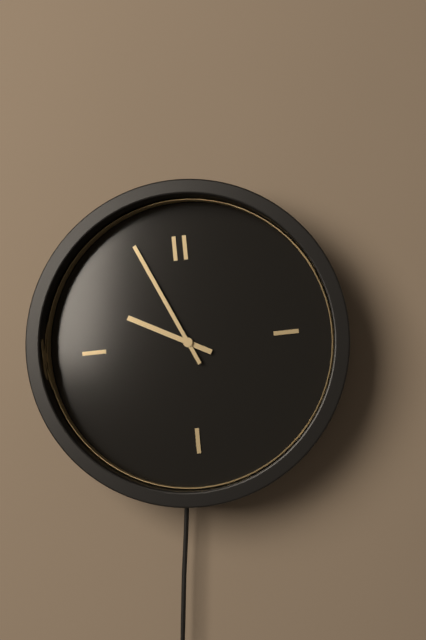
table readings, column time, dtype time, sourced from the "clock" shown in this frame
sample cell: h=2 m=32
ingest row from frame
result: h=9 m=56
